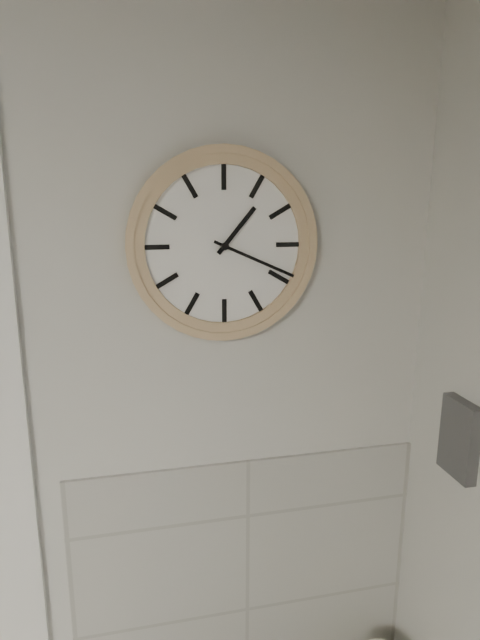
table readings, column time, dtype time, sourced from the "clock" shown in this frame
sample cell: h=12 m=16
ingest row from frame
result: h=1 m=19
